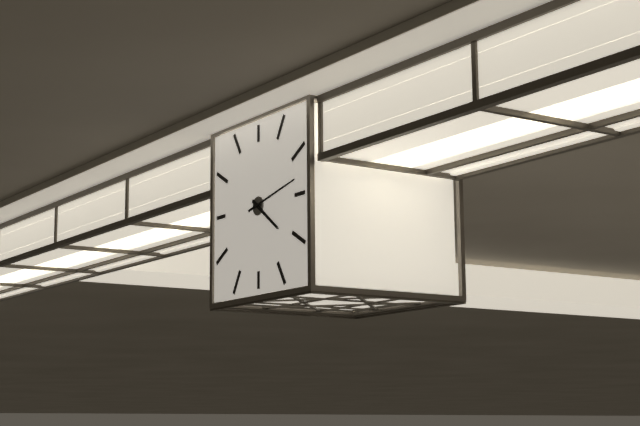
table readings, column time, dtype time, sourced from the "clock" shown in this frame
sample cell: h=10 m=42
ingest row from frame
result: h=4 m=13
